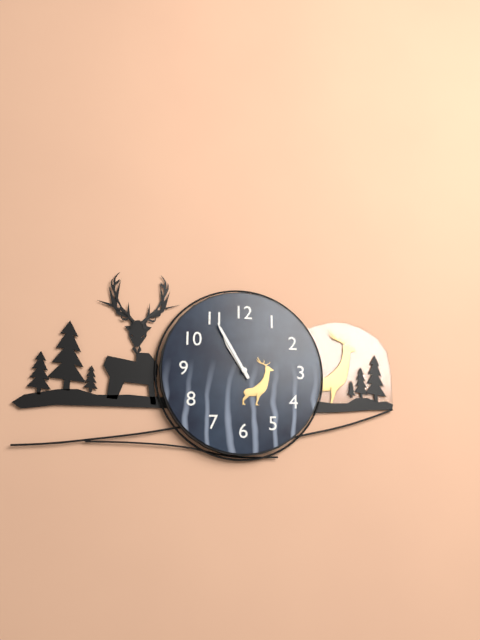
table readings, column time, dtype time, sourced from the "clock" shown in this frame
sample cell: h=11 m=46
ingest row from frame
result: h=10 m=55
